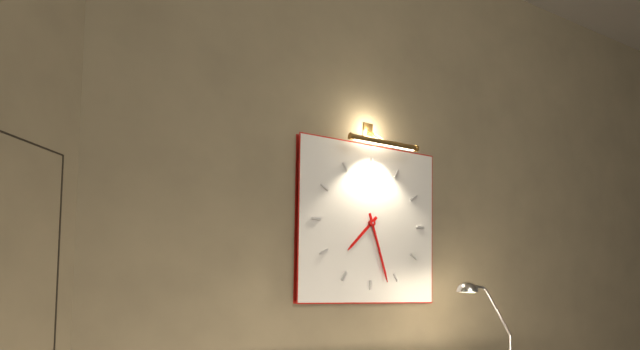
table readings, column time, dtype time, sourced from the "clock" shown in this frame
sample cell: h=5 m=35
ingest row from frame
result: h=7 m=27
